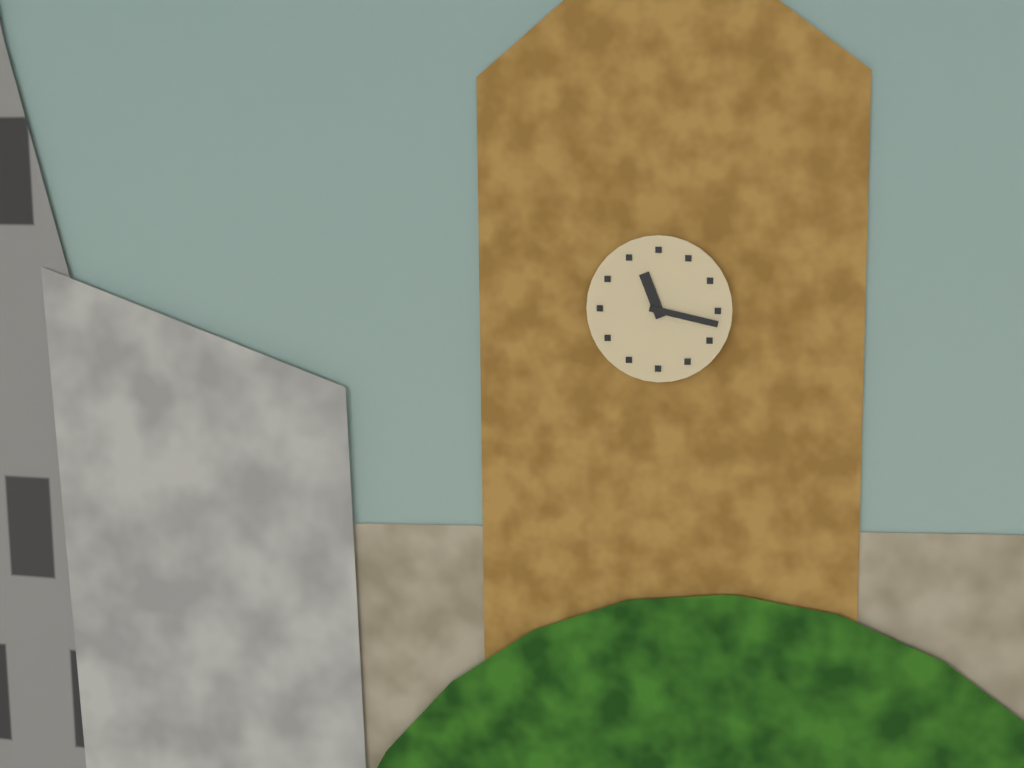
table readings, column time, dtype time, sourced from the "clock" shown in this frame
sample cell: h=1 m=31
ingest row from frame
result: h=11 m=17
